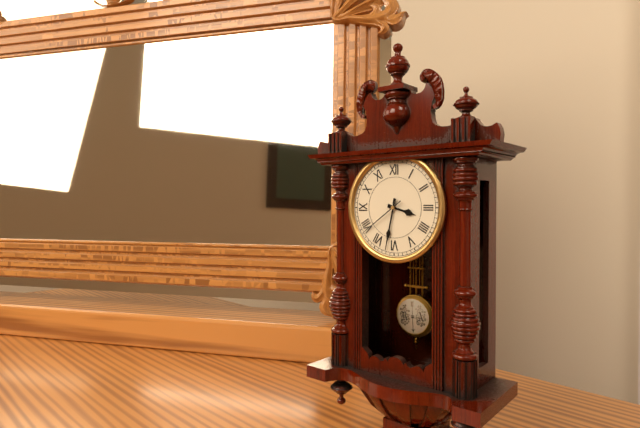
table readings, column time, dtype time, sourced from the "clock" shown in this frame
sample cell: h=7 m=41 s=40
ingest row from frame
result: h=3 m=32 s=39
